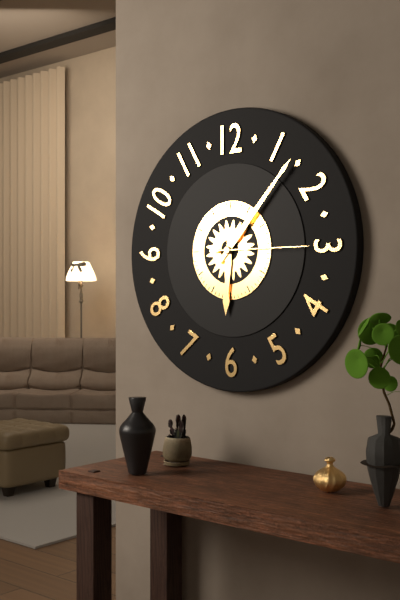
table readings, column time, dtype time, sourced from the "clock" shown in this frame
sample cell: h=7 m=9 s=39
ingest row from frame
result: h=6 m=7 s=15
